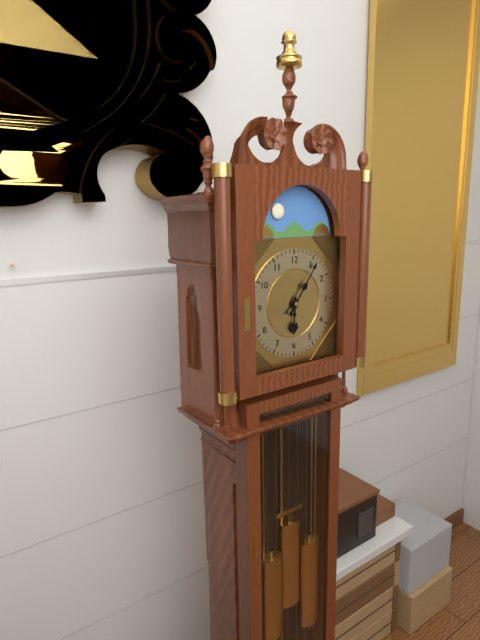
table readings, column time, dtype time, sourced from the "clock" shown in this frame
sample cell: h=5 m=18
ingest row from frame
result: h=6 m=6
